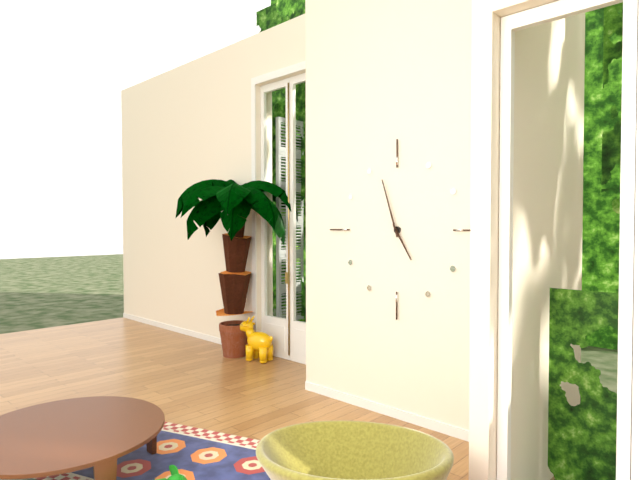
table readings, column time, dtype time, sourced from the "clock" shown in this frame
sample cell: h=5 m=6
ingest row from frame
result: h=4 m=57
